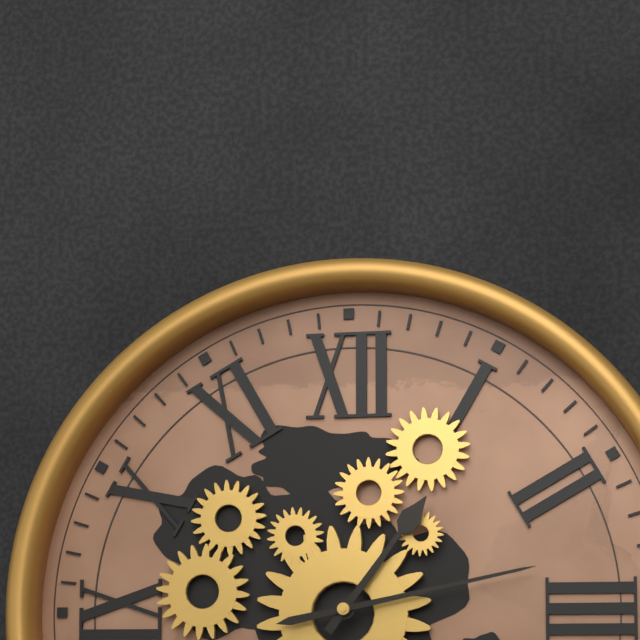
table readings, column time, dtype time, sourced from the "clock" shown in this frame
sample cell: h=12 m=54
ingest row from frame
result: h=1 m=13
